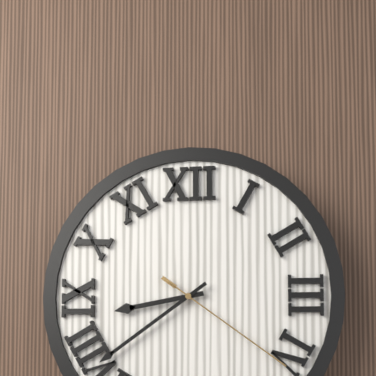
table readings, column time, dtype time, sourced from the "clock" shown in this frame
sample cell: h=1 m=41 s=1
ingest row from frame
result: h=8 m=39 s=21
